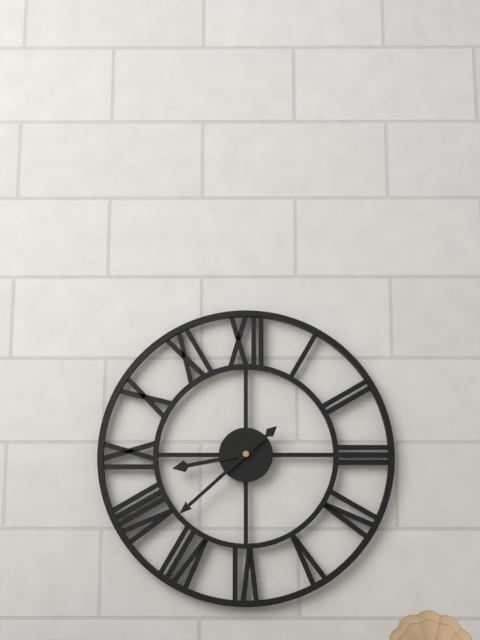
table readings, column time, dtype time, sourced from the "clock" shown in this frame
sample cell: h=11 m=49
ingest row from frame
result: h=8 m=38
